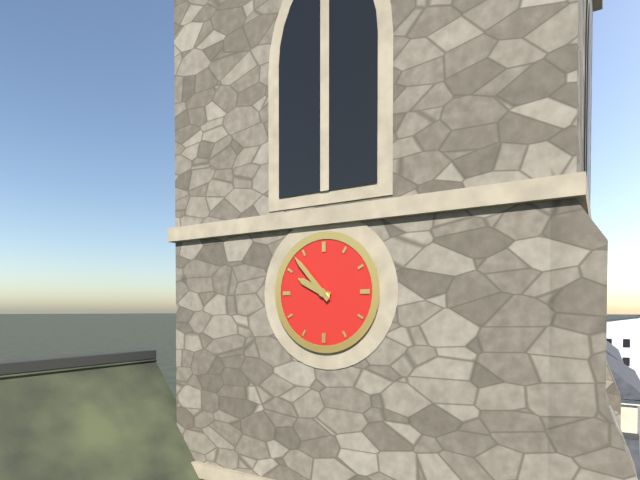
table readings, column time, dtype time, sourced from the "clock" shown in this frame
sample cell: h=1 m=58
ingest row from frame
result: h=9 m=53
